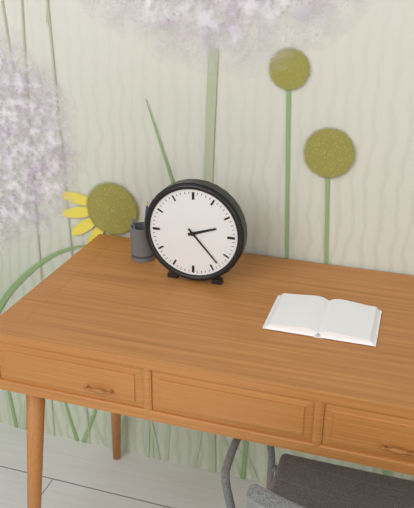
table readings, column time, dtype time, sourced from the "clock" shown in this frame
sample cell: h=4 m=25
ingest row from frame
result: h=2 m=23
